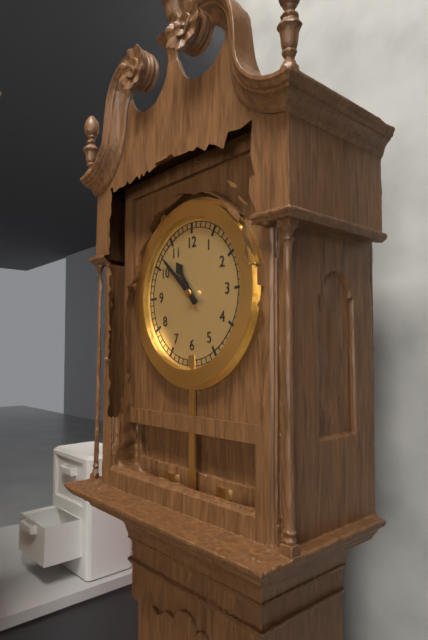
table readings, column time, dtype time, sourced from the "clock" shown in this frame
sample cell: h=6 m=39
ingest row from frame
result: h=10 m=52
